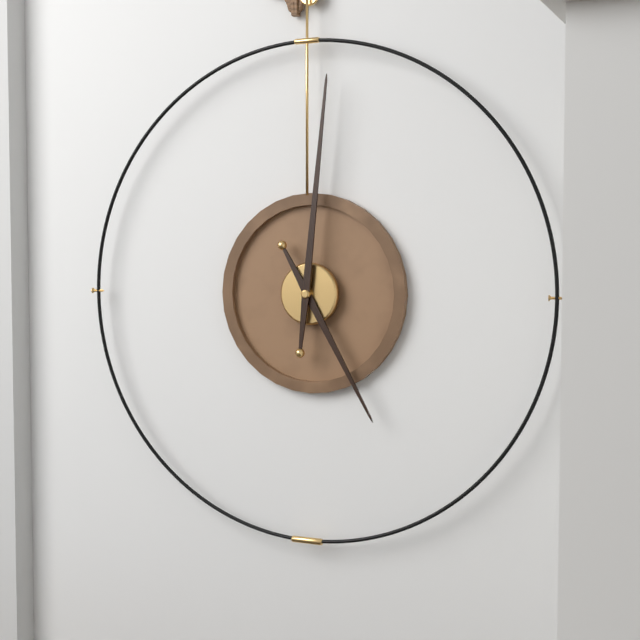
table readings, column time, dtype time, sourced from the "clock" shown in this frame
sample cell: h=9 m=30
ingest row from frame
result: h=5 m=1
